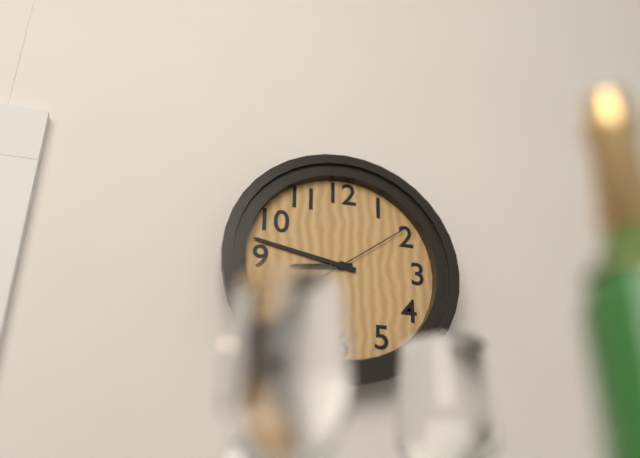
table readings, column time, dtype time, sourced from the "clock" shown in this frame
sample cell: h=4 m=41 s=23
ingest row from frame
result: h=8 m=47 s=9
